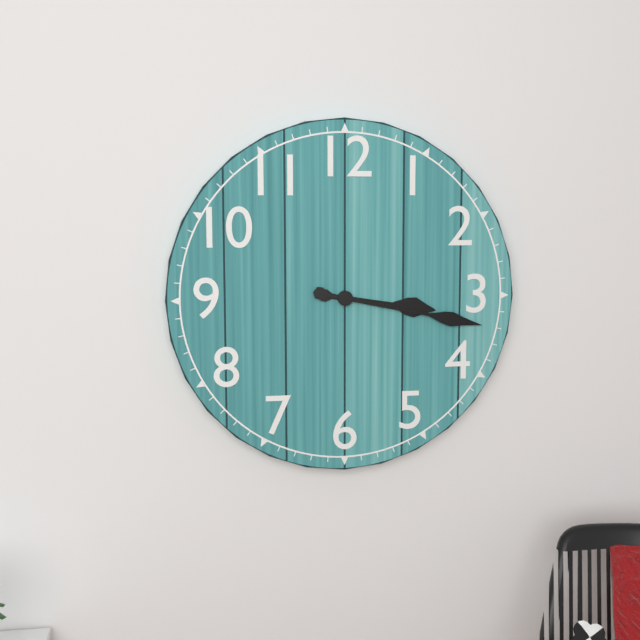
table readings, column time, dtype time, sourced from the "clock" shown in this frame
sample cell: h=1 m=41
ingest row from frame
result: h=3 m=17
